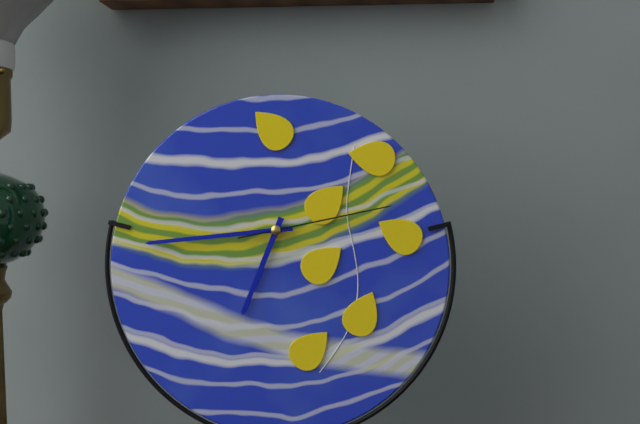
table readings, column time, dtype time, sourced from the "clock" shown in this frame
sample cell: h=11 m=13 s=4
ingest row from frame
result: h=6 m=44 s=13
